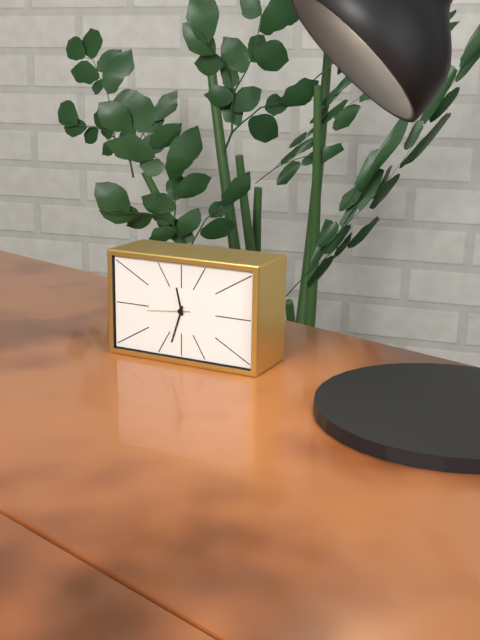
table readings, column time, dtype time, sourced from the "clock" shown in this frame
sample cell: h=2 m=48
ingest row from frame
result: h=11 m=33
